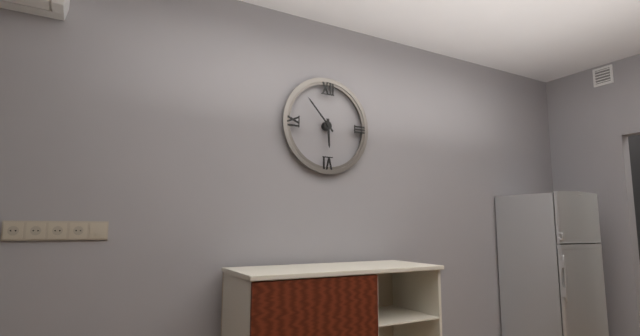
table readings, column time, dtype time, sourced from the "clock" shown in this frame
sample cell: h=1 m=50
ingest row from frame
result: h=5 m=53
